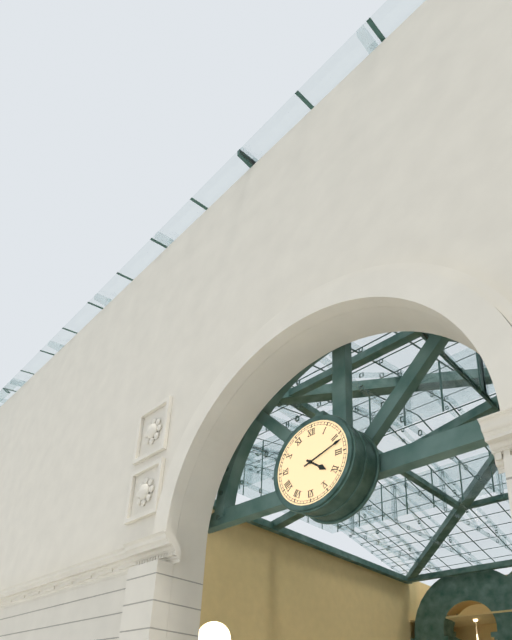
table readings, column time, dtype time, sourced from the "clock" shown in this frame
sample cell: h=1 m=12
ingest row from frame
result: h=4 m=12
